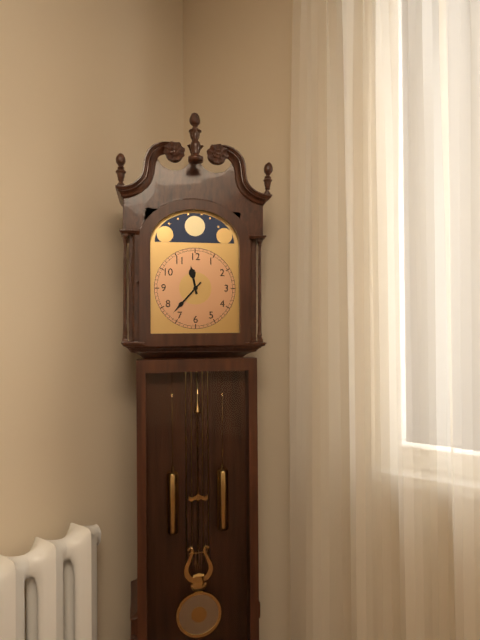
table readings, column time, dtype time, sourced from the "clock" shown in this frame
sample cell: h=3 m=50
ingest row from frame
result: h=11 m=37
